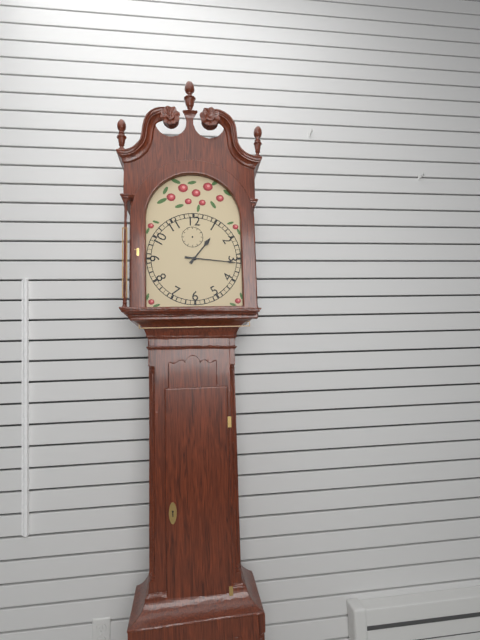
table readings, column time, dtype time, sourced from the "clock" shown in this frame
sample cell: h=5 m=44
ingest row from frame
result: h=1 m=16
